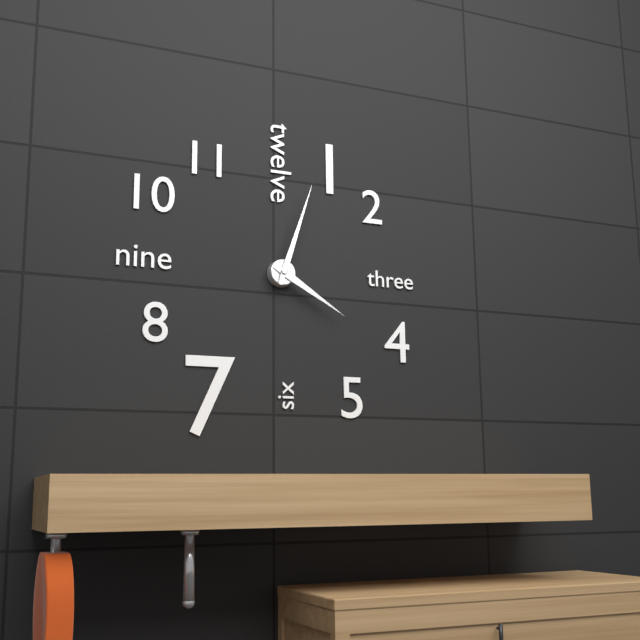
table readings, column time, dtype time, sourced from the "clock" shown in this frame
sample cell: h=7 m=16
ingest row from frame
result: h=4 m=3
